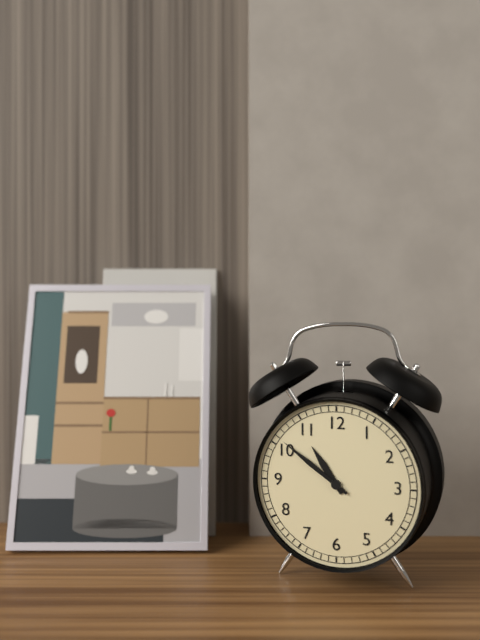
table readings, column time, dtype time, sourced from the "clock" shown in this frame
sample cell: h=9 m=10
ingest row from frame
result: h=10 m=51
